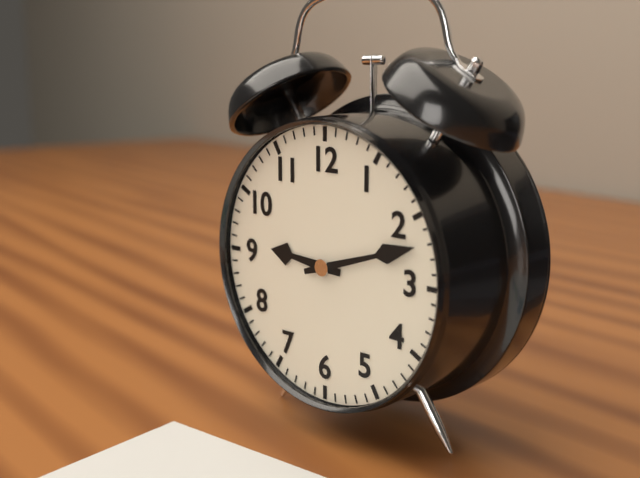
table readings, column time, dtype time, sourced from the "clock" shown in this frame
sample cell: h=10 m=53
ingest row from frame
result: h=9 m=12
